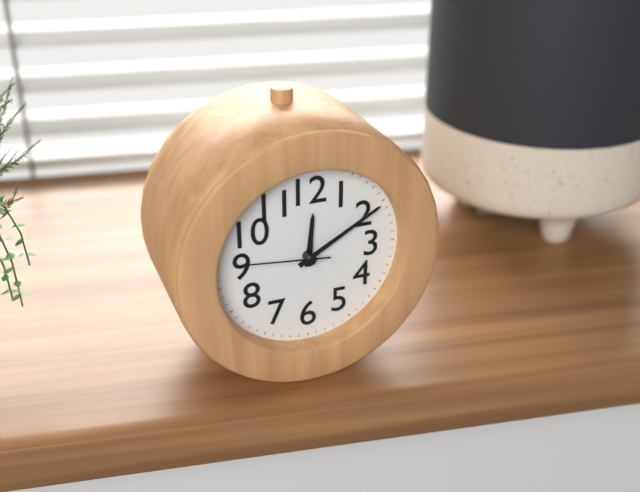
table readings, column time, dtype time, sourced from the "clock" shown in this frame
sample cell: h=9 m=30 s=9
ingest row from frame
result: h=12 m=10 s=46
